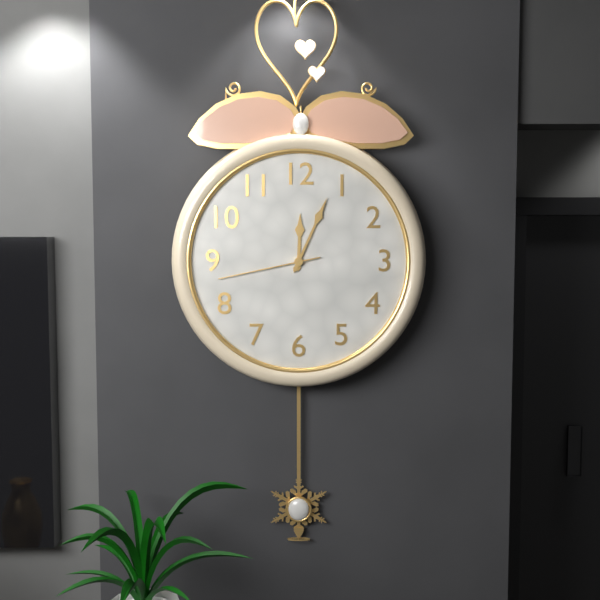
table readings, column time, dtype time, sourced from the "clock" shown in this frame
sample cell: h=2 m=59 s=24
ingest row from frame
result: h=12 m=4 s=43
